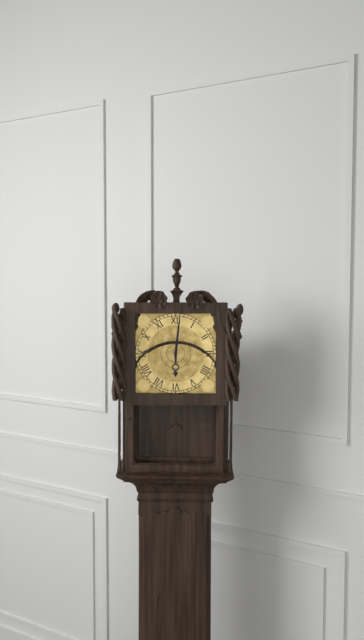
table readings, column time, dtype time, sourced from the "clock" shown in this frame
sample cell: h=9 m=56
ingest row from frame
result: h=6 m=1
